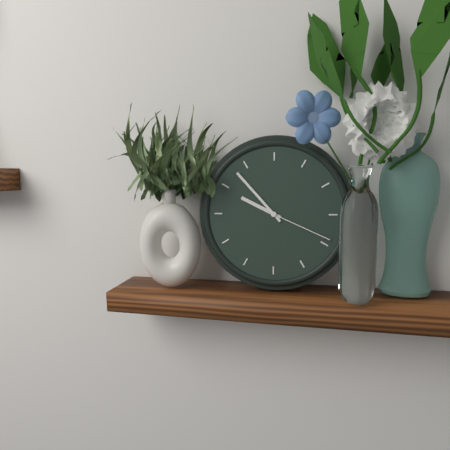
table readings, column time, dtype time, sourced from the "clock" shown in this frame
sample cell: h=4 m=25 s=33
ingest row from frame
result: h=9 m=53 s=19
